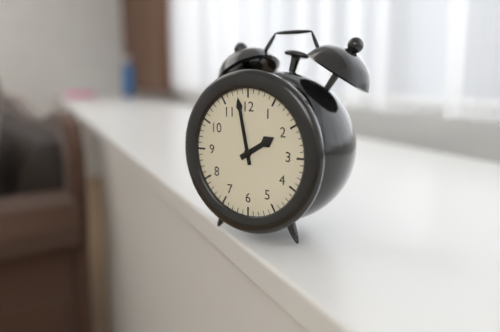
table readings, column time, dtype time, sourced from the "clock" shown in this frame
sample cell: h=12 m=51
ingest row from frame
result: h=1 m=58
